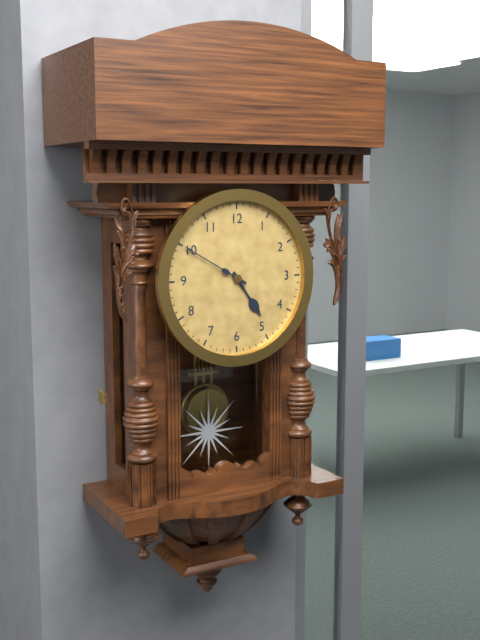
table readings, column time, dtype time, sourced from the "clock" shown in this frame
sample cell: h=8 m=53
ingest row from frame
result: h=4 m=50
